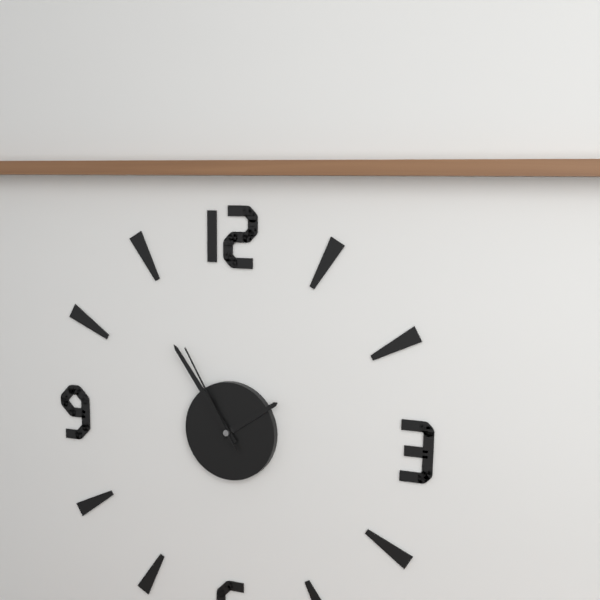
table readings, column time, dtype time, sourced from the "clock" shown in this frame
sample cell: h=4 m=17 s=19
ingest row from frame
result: h=1 m=54 s=55
